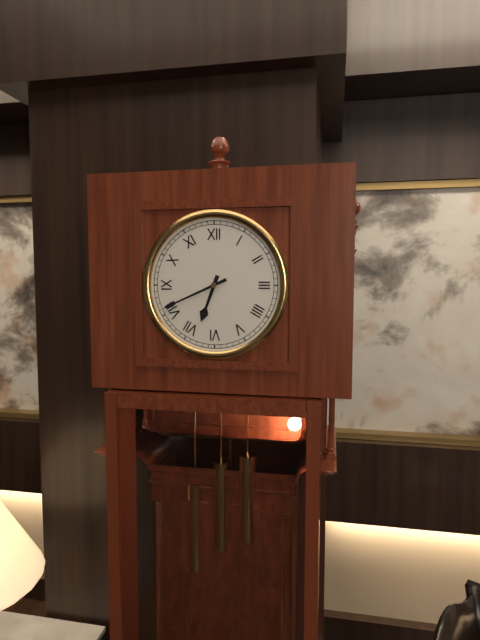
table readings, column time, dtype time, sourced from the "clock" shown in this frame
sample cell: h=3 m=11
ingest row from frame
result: h=6 m=41
